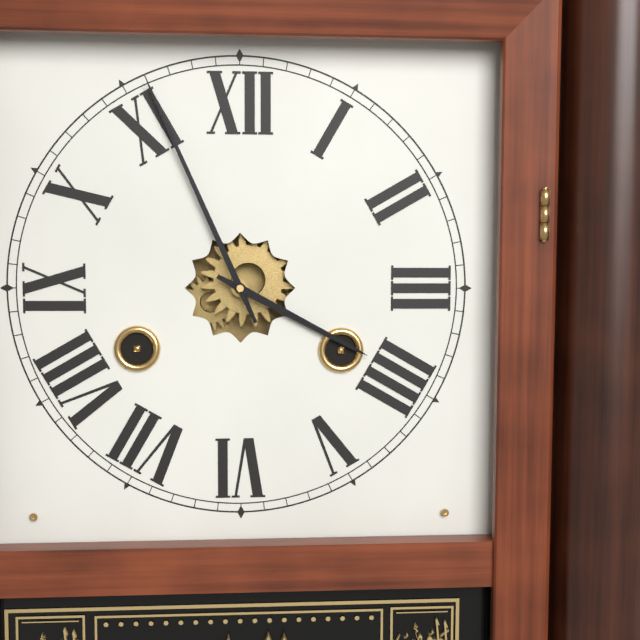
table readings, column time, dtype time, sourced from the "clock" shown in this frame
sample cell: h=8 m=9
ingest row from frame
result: h=3 m=56
